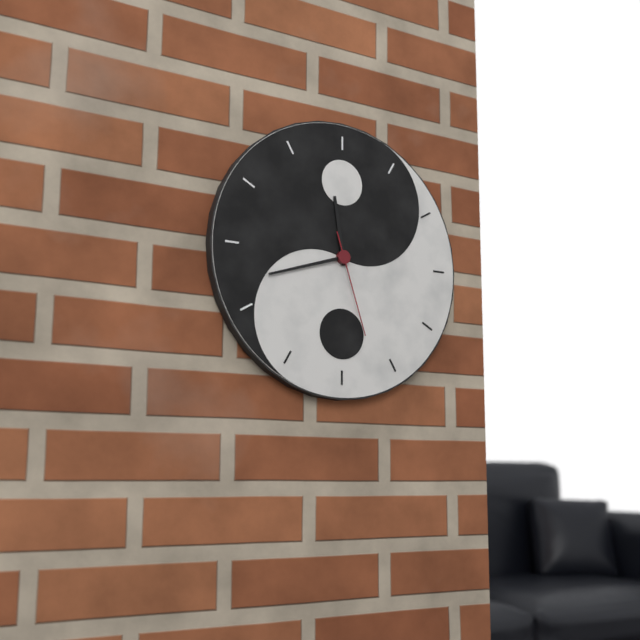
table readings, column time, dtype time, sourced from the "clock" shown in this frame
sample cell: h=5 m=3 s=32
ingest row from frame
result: h=11 m=42 s=27
